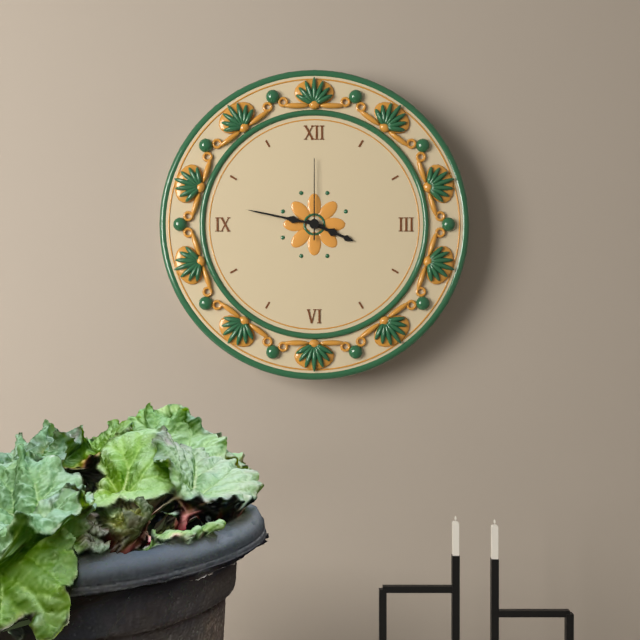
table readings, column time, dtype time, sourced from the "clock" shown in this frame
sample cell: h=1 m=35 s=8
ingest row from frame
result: h=3 m=47 s=0
